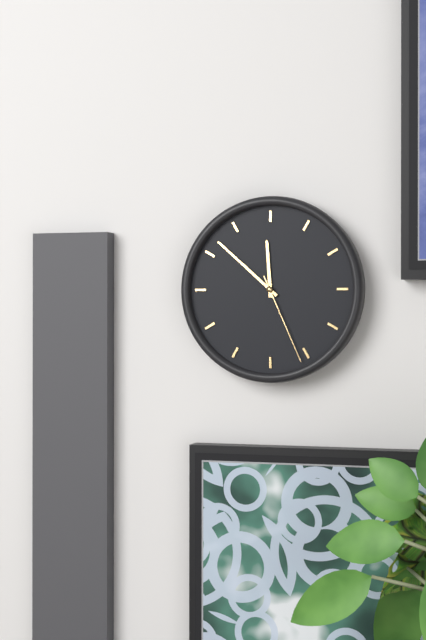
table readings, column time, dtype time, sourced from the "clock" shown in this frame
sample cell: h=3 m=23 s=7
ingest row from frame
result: h=11 m=52 s=26
